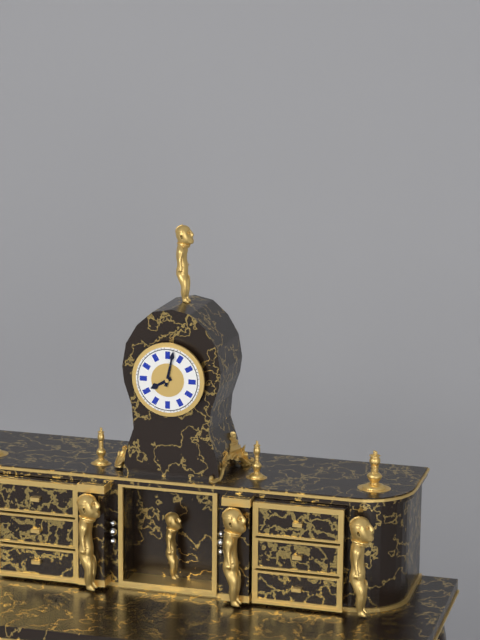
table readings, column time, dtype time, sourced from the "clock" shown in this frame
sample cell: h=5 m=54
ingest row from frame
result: h=8 m=2
